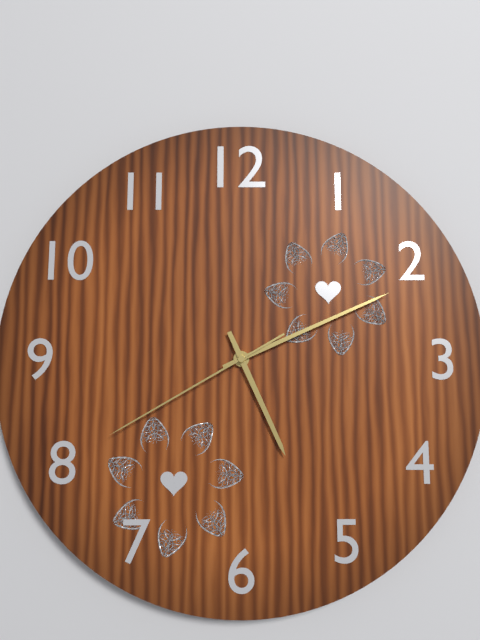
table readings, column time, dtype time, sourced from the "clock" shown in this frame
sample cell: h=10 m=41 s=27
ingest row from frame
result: h=5 m=11 s=40
